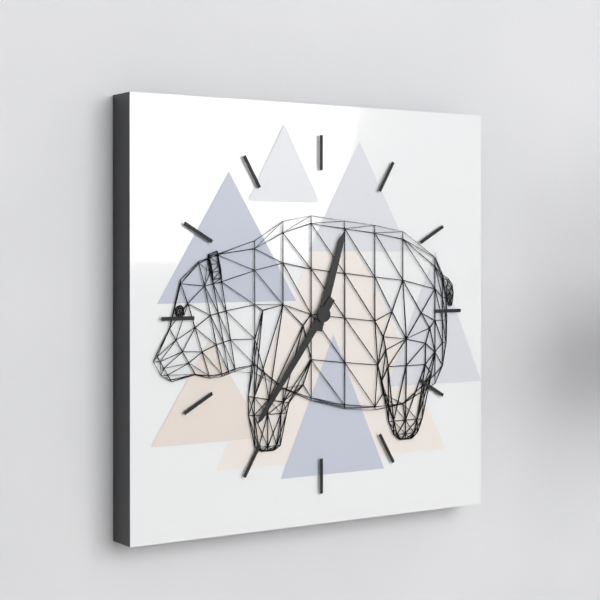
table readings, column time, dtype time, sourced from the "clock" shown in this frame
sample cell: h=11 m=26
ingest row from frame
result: h=12 m=36
